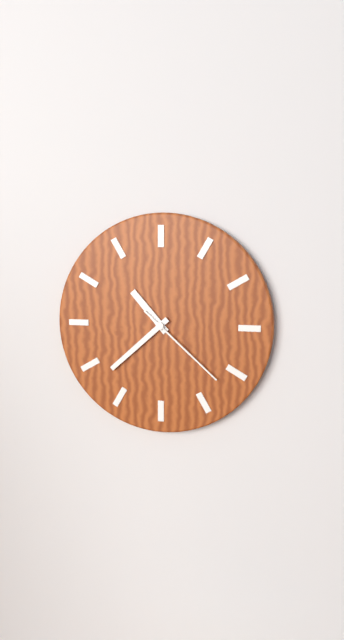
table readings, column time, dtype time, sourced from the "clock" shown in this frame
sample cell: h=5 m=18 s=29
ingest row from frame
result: h=10 m=38 s=22
